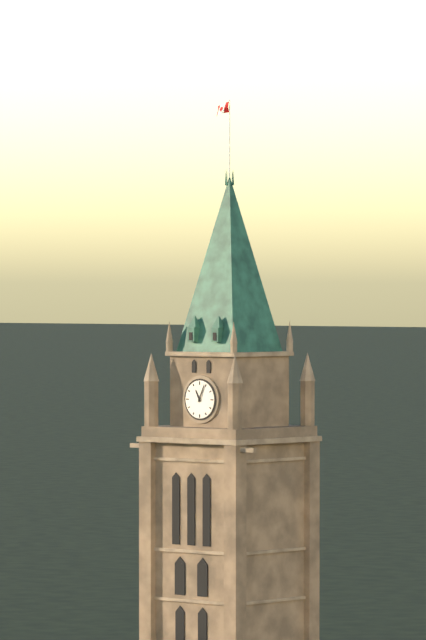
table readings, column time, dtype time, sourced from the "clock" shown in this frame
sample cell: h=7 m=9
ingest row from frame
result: h=11 m=4
